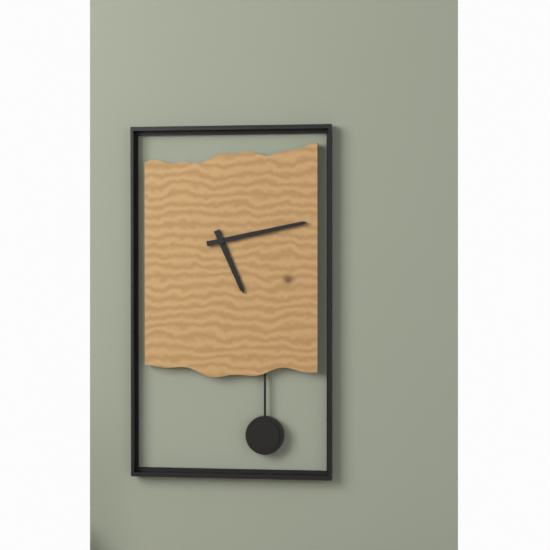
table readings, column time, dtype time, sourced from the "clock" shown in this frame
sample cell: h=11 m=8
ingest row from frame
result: h=5 m=13
